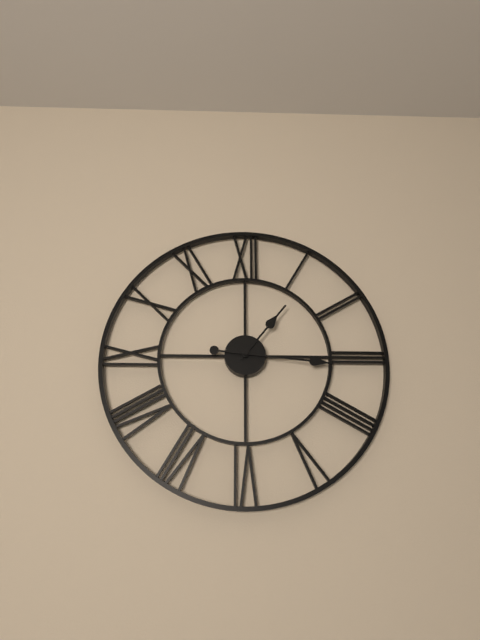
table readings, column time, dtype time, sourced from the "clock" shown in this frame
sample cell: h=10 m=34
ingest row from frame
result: h=1 m=16
